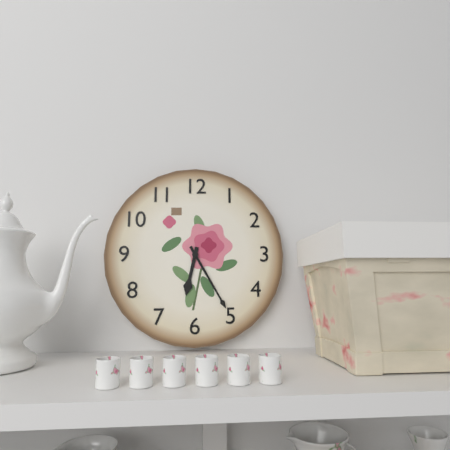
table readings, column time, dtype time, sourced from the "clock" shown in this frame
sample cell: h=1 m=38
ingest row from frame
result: h=6 m=25
